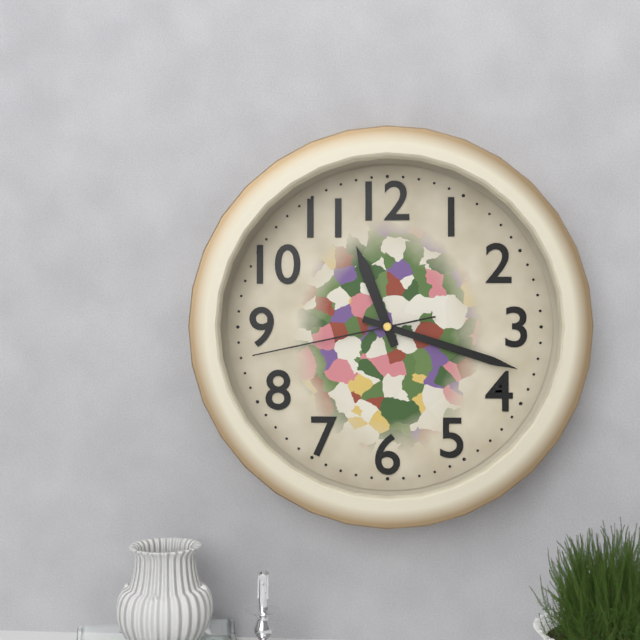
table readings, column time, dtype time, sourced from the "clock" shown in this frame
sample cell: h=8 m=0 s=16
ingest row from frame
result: h=11 m=18 s=43
